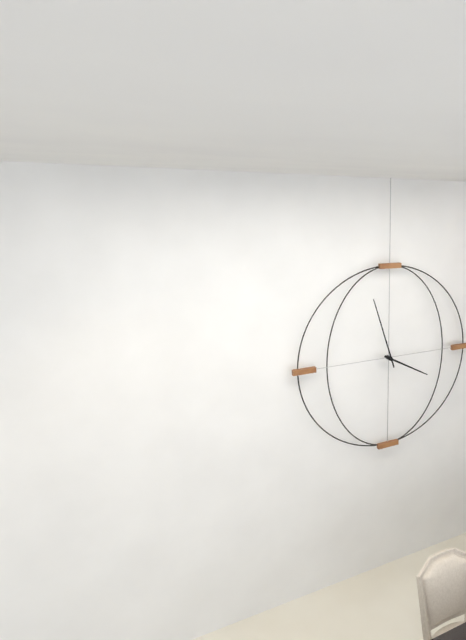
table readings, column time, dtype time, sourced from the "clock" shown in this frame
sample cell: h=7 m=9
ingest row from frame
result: h=3 m=57
